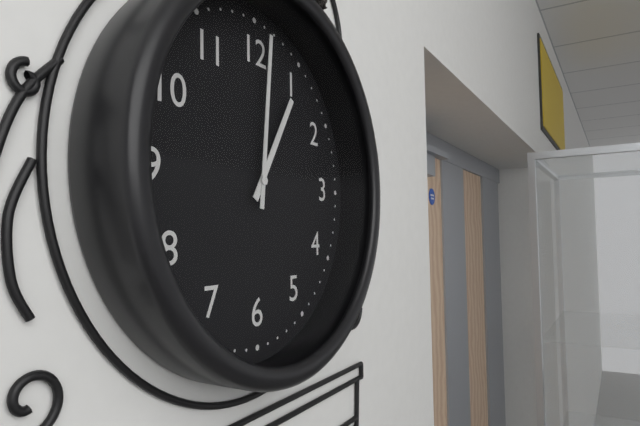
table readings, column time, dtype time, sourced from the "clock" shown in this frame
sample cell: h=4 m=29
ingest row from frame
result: h=1 m=1
